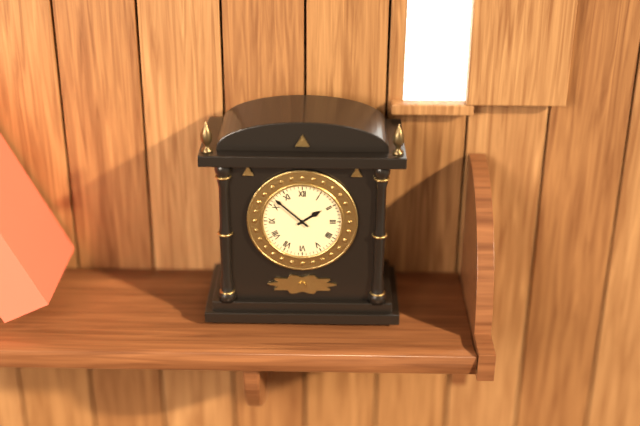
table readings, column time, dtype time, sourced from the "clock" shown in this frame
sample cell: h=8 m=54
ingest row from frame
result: h=1 m=52
